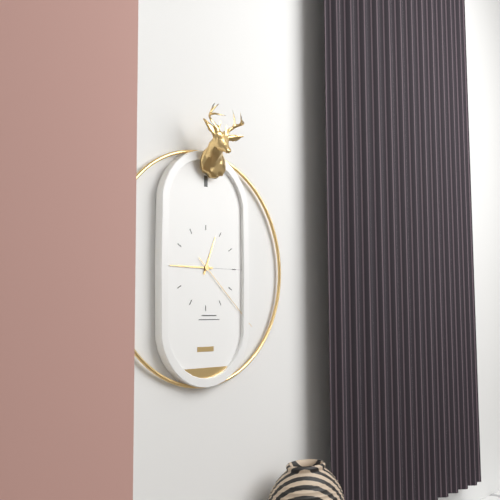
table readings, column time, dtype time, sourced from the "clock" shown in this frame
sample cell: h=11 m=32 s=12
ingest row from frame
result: h=12 m=45 s=22
